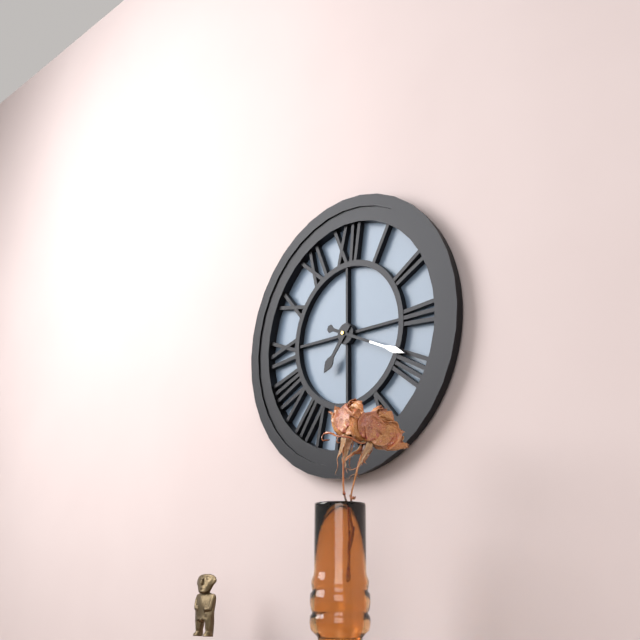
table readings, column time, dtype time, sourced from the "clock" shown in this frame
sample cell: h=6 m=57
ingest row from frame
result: h=7 m=19
